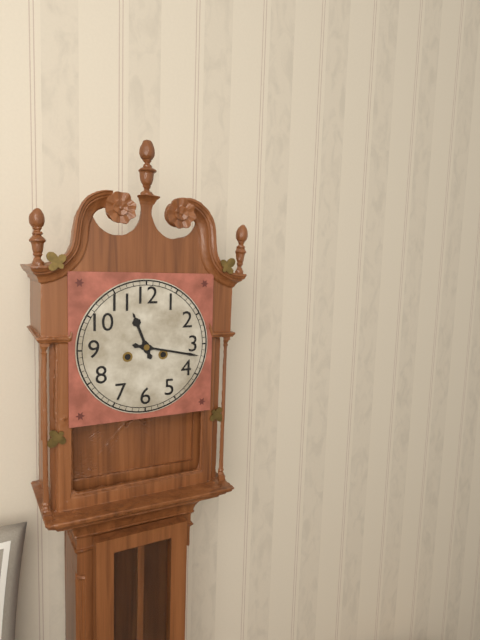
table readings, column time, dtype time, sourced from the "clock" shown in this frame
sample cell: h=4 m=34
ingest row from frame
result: h=11 m=17
